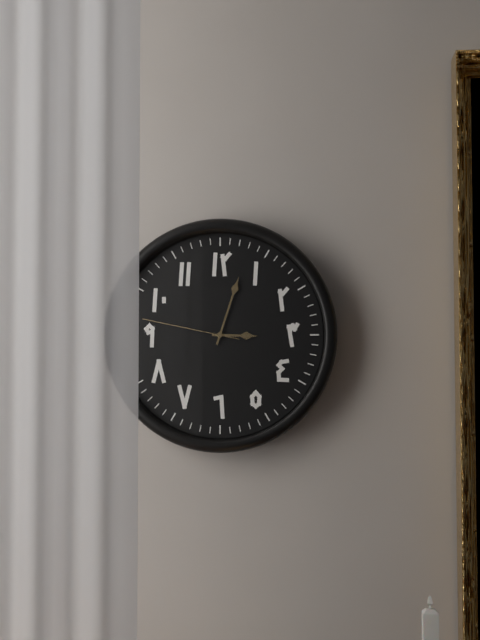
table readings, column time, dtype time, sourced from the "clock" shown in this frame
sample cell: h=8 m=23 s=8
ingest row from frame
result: h=3 m=3 s=47
